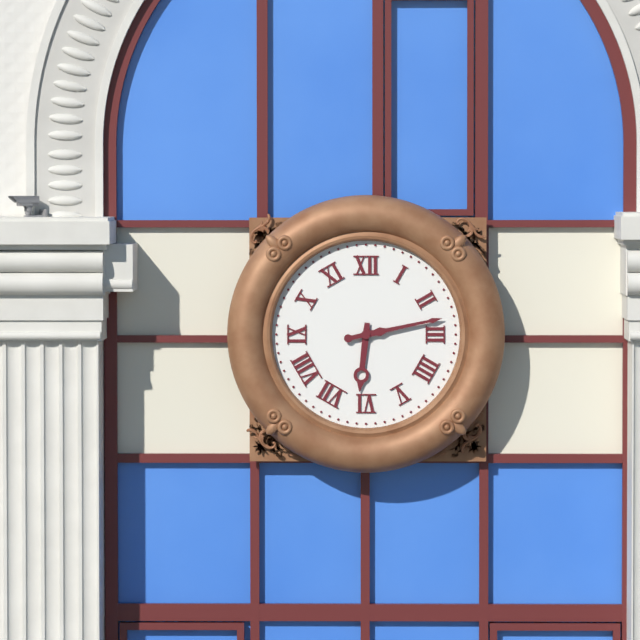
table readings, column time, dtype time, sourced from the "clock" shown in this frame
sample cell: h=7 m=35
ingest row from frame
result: h=6 m=13
